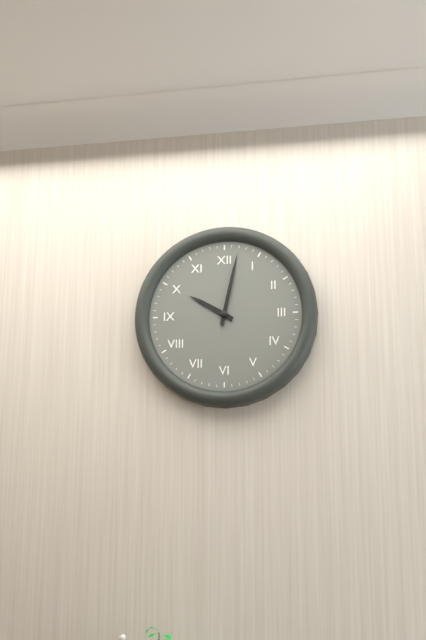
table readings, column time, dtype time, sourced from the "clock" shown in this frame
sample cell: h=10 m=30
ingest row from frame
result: h=10 m=2
